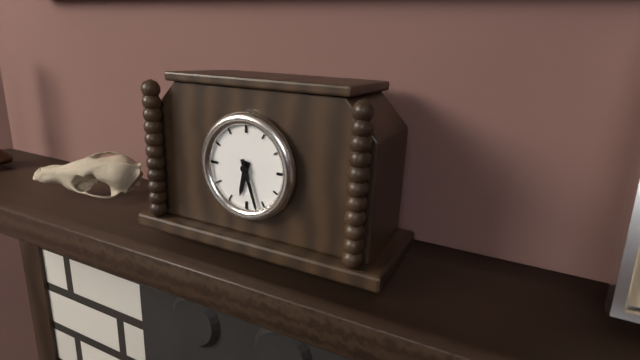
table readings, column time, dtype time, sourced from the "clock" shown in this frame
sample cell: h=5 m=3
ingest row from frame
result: h=6 m=27
